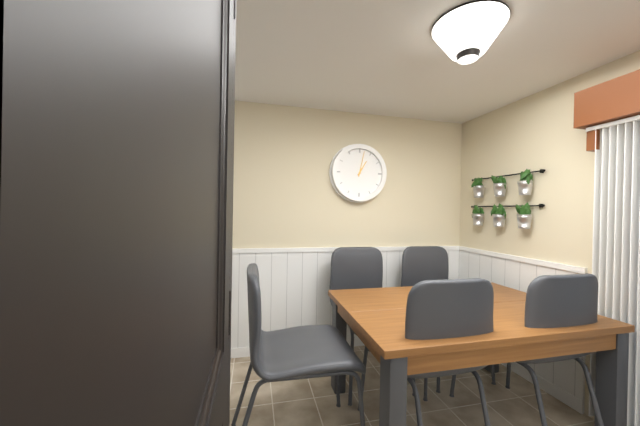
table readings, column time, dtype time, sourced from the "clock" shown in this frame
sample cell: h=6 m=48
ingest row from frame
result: h=1 m=2
